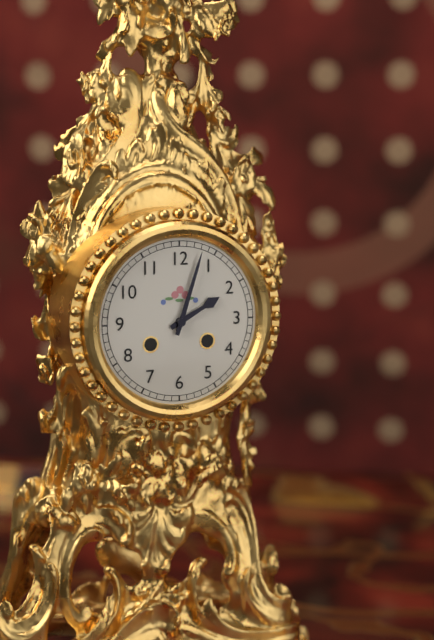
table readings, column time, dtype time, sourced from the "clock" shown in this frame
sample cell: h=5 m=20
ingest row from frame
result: h=2 m=3
